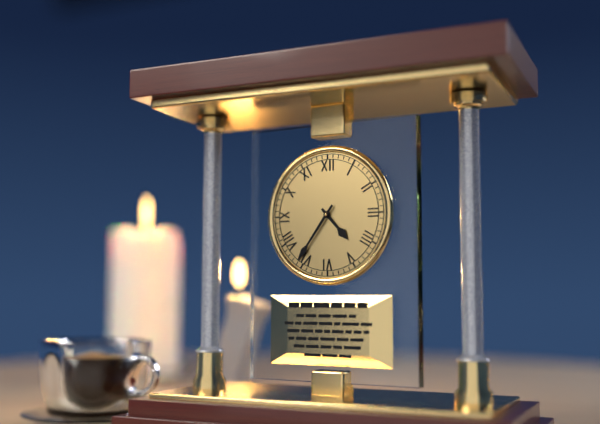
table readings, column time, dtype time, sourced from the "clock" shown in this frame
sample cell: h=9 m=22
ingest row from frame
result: h=4 m=36
